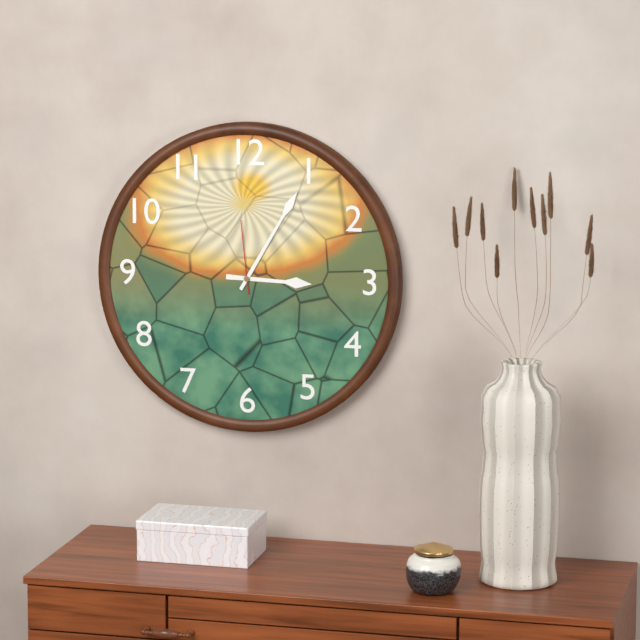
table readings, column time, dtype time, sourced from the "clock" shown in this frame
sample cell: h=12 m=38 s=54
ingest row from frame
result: h=3 m=5 s=59
